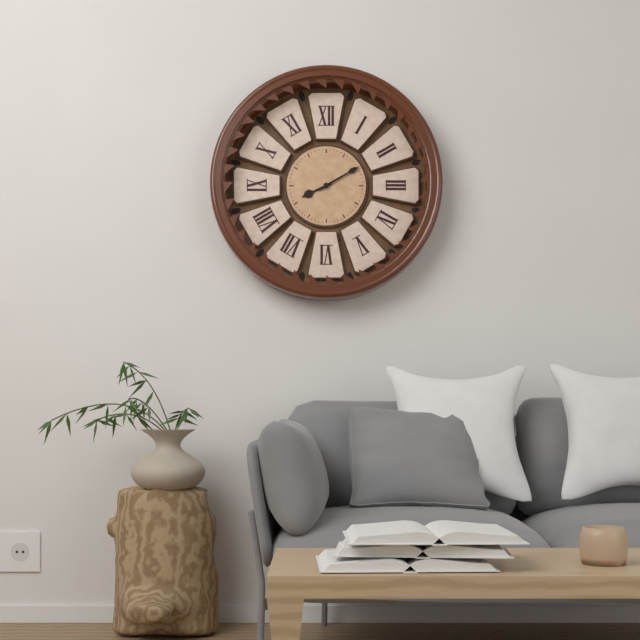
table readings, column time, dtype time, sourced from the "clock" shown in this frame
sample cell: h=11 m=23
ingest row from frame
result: h=8 m=10
